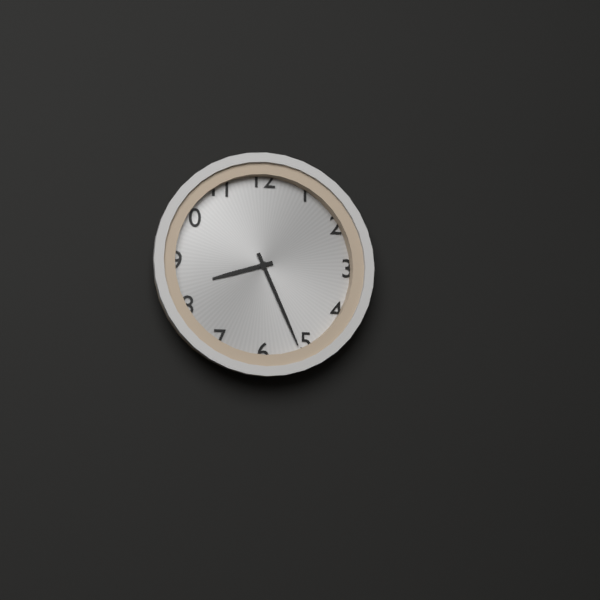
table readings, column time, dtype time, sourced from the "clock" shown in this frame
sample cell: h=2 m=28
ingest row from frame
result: h=8 m=26
